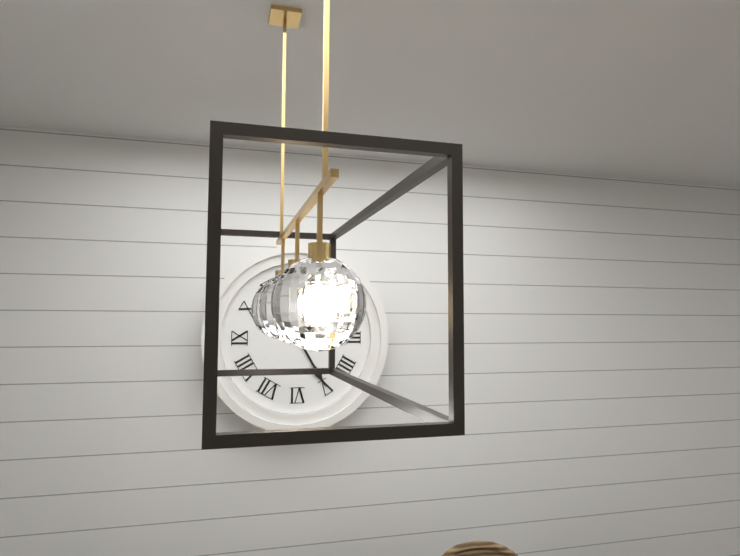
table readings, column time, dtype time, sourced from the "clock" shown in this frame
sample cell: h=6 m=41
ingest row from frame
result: h=2 m=25
